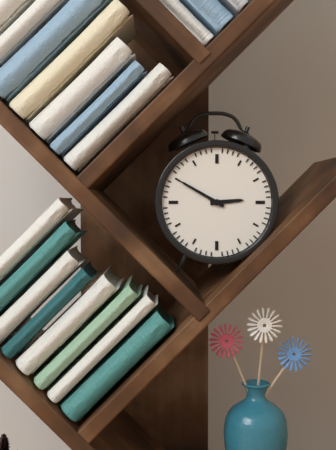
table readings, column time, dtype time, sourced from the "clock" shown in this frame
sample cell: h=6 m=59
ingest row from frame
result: h=2 m=50
